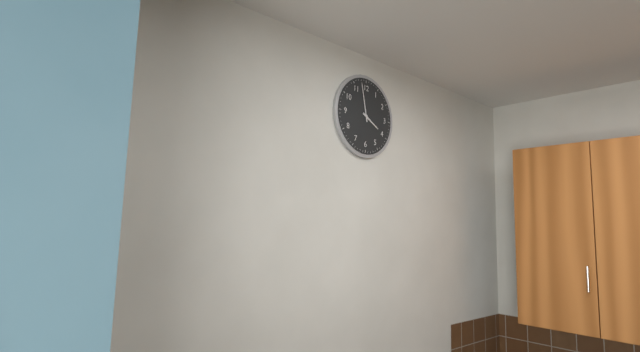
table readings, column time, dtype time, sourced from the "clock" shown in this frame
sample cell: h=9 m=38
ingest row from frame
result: h=3 m=58
